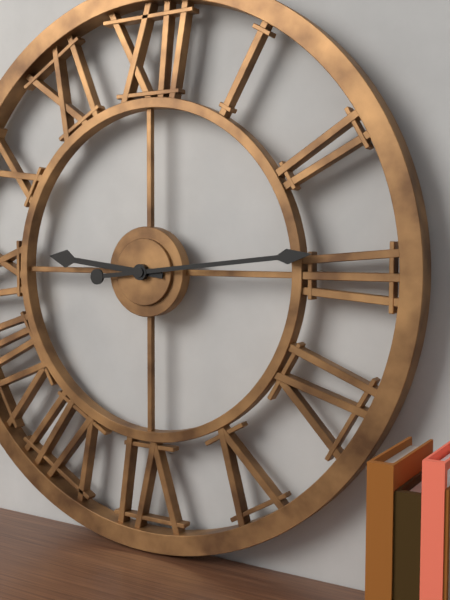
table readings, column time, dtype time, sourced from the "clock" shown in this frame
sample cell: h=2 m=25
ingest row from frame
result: h=9 m=14
